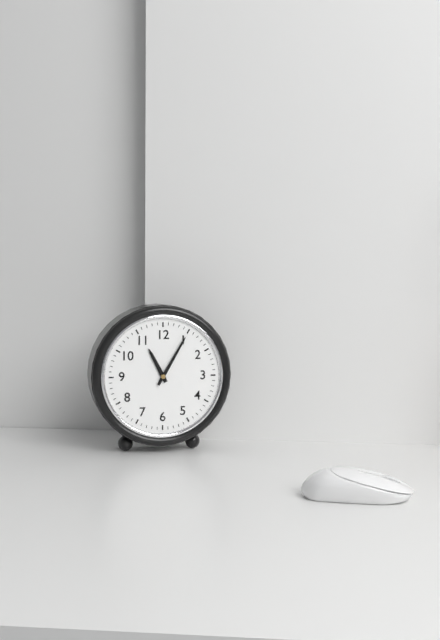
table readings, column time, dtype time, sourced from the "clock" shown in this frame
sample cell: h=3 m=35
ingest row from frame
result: h=11 m=5
